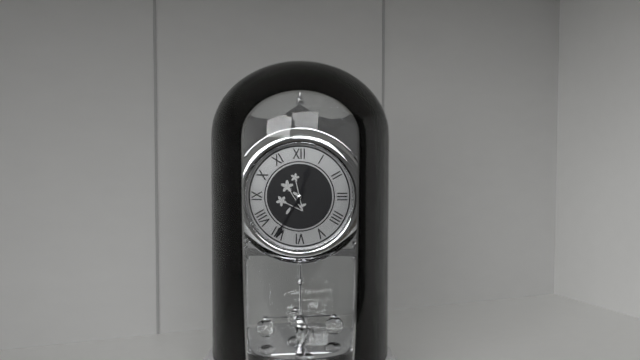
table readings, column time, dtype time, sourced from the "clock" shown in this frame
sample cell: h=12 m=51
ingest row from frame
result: h=12 m=35
